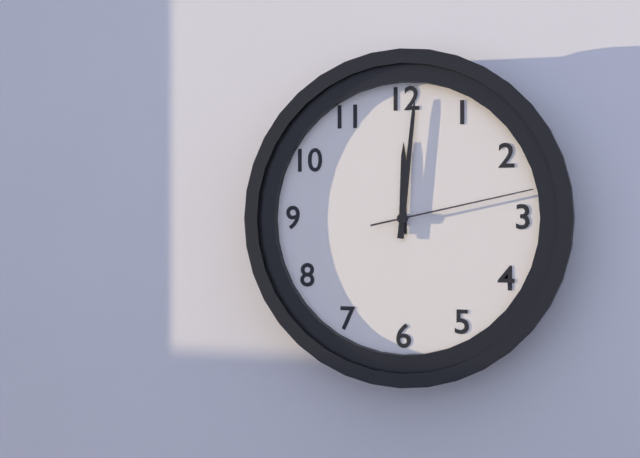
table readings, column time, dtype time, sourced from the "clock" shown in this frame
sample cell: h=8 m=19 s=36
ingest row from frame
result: h=12 m=1 s=13
